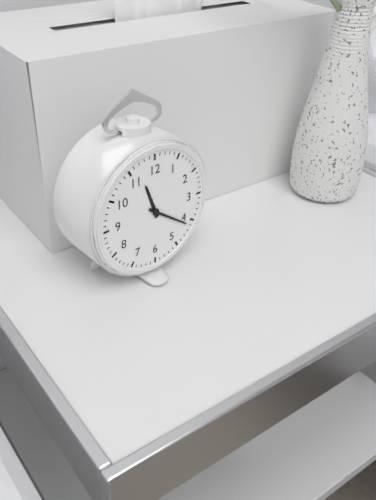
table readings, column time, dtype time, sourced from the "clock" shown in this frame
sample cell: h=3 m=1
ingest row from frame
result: h=11 m=21
